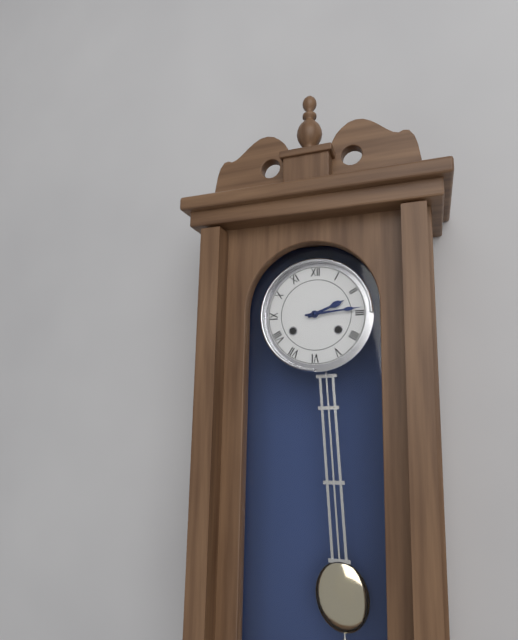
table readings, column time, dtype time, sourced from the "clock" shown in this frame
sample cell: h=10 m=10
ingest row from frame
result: h=2 m=14
